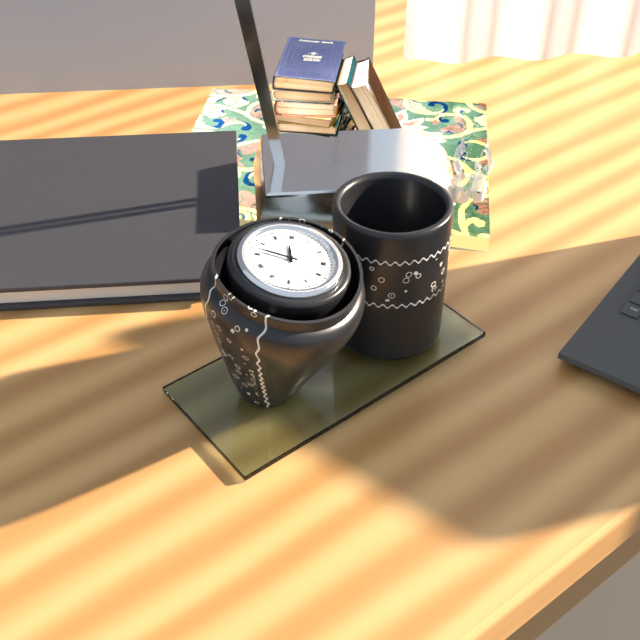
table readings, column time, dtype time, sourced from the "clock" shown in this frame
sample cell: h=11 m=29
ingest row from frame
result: h=11 m=47
